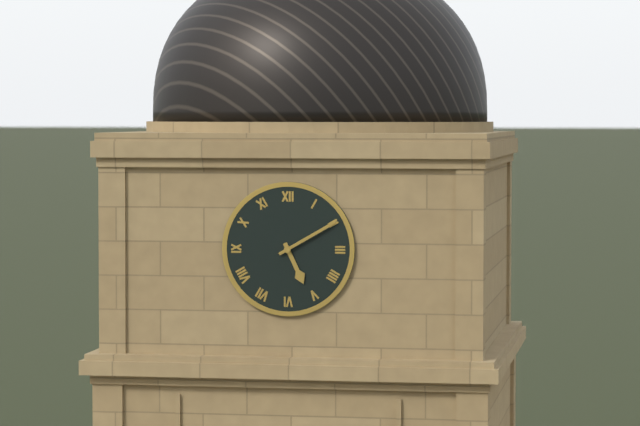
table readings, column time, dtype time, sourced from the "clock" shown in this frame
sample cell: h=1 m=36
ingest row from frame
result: h=5 m=10
